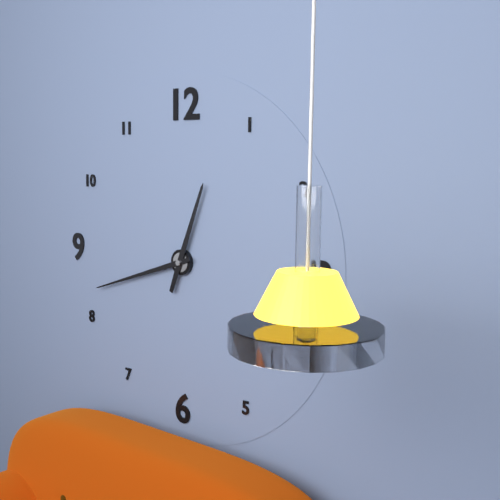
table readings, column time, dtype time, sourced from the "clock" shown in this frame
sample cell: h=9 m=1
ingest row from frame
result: h=12 m=42
